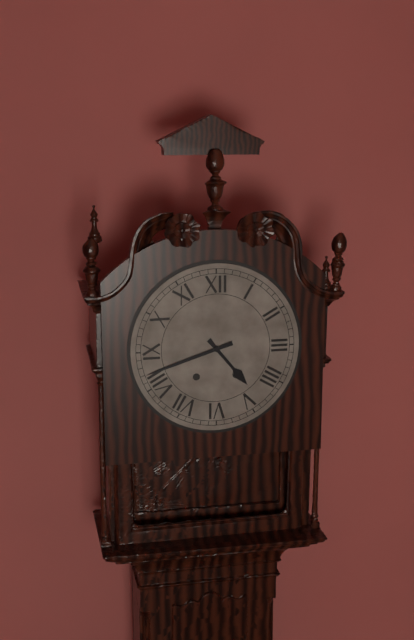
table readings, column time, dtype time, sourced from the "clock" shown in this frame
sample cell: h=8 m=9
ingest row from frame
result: h=4 m=42
